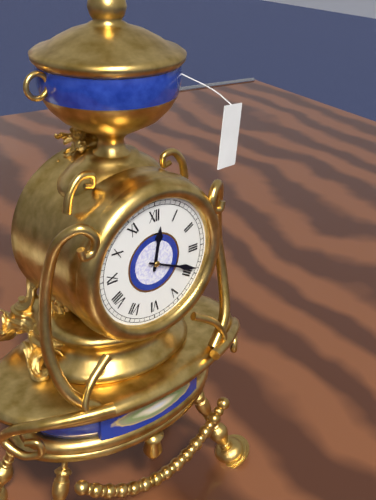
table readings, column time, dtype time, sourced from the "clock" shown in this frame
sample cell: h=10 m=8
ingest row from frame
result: h=12 m=19
